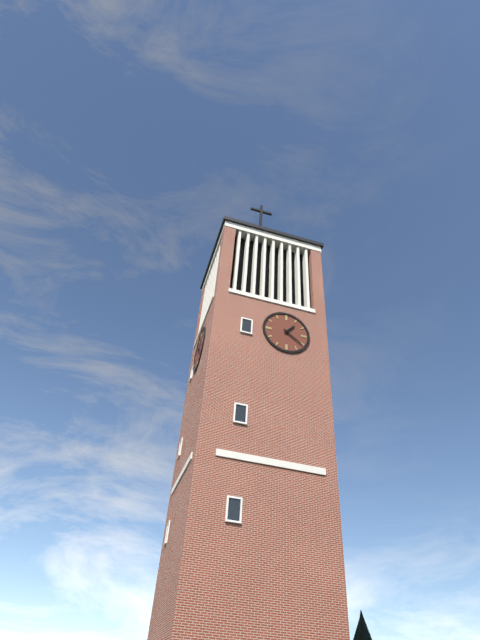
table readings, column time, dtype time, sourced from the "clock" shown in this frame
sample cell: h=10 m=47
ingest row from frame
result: h=1 m=21
